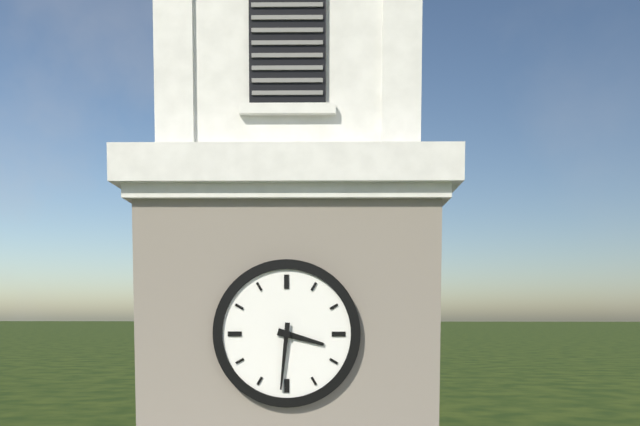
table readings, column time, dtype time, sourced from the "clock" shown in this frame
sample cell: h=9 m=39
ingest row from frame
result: h=3 m=31
